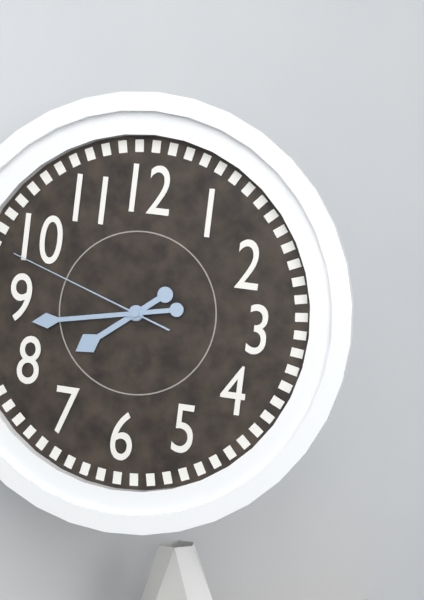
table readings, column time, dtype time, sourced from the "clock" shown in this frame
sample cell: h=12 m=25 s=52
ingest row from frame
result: h=7 m=43 s=48
